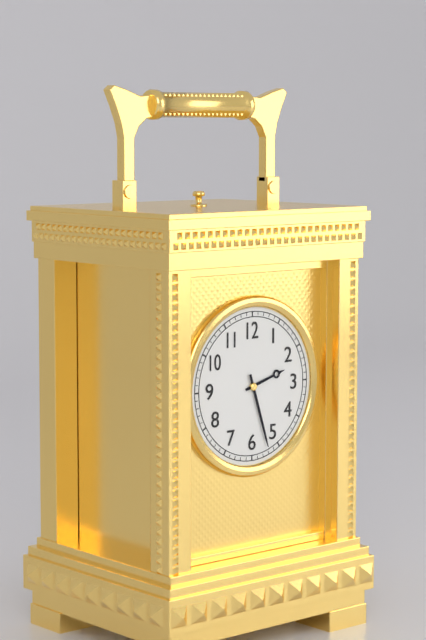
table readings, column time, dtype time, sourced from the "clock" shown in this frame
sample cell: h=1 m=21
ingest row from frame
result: h=2 m=27
